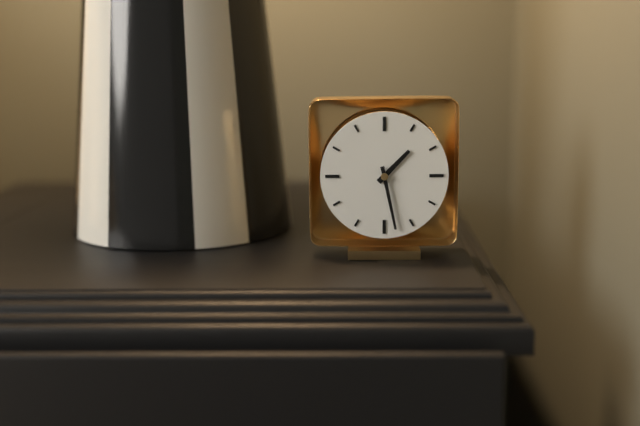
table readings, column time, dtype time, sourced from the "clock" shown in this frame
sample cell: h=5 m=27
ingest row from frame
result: h=1 m=28
